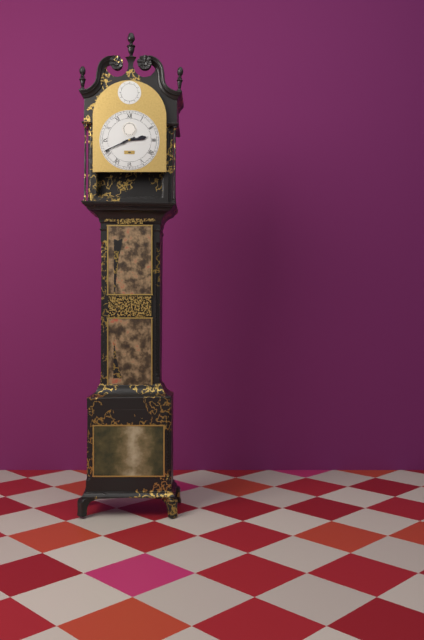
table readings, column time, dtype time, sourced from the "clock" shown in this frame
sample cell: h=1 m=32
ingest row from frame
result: h=2 m=41
